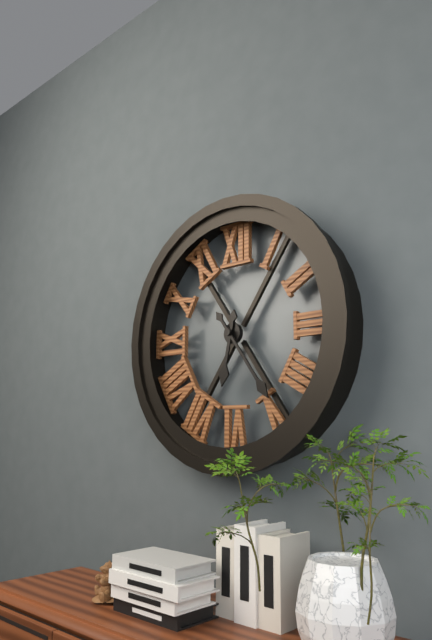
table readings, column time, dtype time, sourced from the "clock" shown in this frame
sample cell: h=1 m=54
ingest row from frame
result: h=6 m=24
